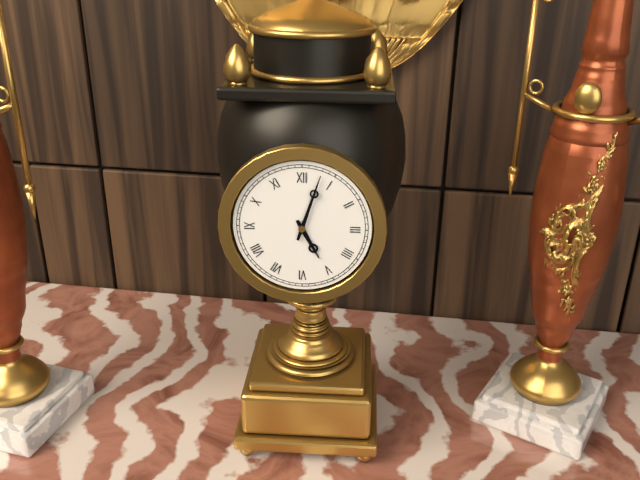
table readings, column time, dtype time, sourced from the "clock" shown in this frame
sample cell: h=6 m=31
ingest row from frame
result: h=5 m=3
